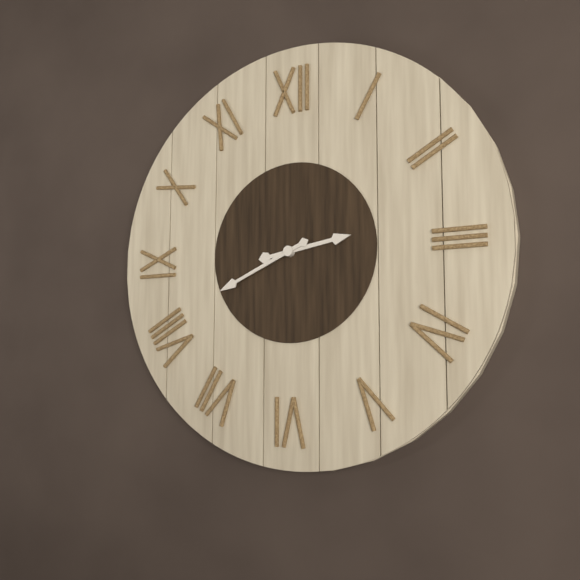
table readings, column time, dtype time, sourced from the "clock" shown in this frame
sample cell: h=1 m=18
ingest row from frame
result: h=2 m=41
